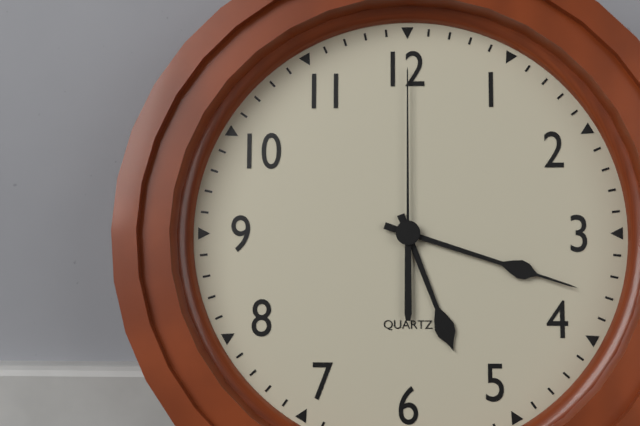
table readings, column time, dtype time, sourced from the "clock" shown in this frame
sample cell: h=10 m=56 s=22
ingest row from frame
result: h=5 m=18 s=0
